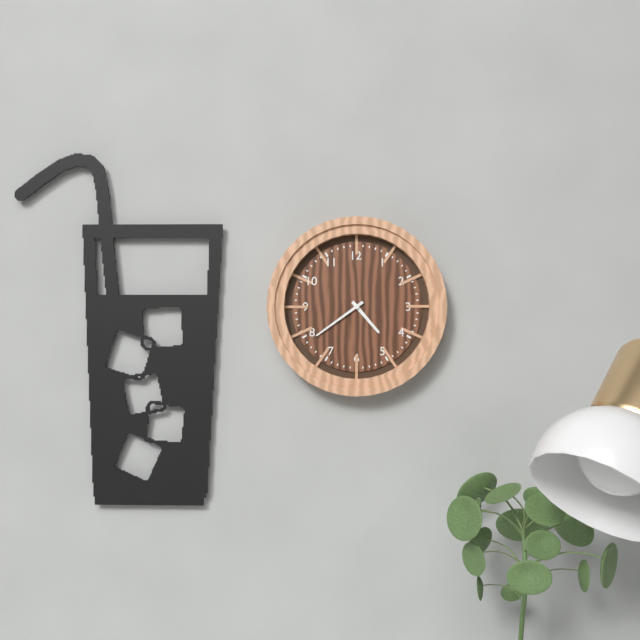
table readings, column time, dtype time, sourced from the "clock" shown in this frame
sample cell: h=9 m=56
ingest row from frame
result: h=4 m=39
